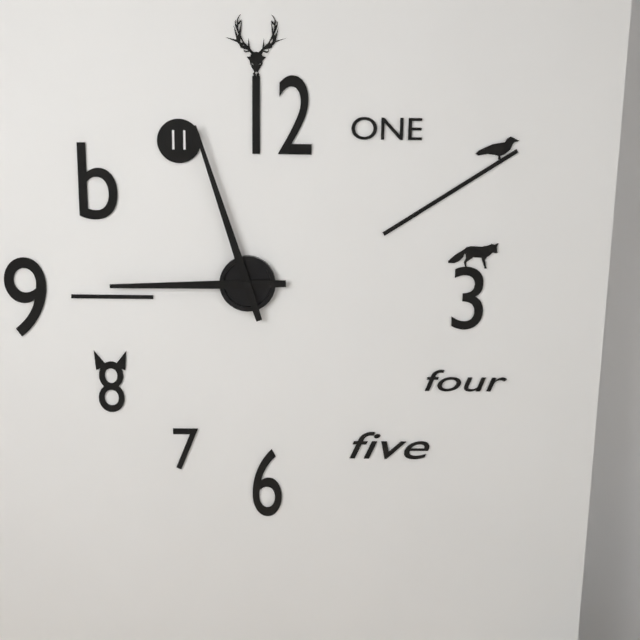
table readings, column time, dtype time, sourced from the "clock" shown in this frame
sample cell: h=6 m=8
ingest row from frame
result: h=8 m=57
